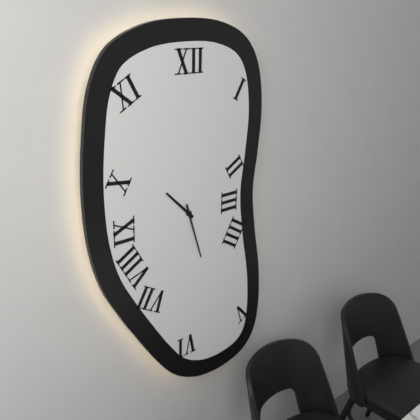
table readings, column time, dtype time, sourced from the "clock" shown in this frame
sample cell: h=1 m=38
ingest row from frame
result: h=10 m=27
